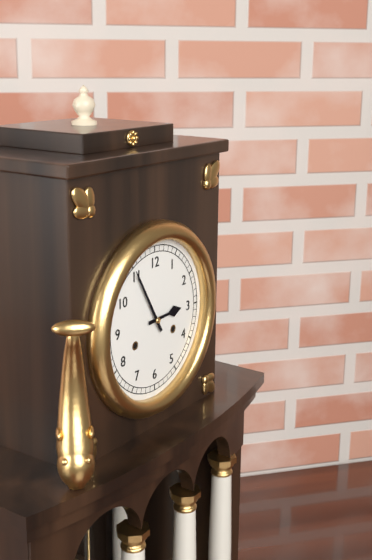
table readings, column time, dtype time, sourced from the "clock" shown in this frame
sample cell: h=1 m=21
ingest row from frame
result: h=2 m=55
